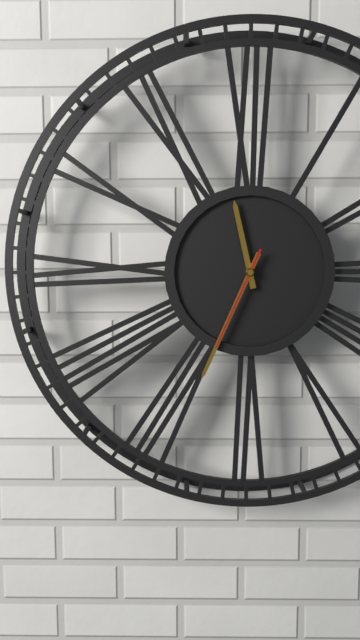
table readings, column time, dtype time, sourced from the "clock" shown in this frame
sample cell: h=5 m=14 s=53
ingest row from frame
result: h=11 m=34 s=34
